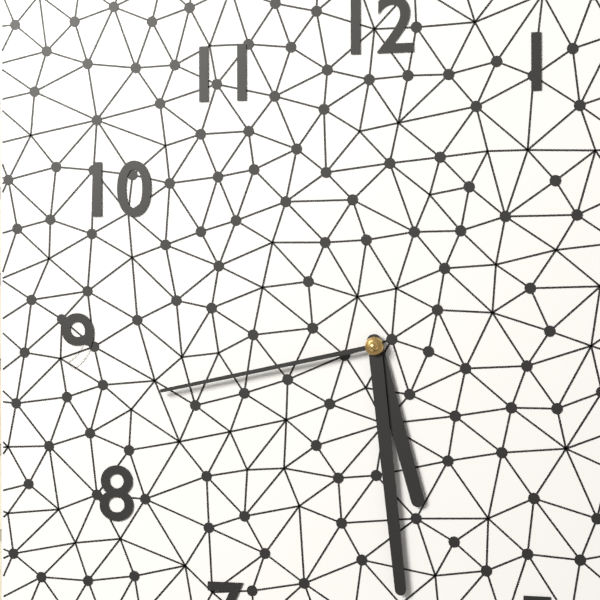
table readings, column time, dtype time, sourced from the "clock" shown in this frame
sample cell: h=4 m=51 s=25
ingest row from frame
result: h=5 m=29 s=43
